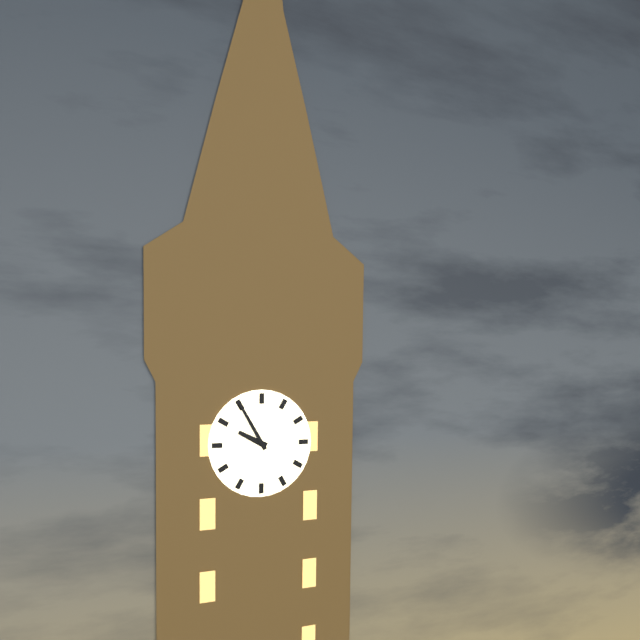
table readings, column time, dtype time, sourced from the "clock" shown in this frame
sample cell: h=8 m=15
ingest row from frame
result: h=9 m=55
